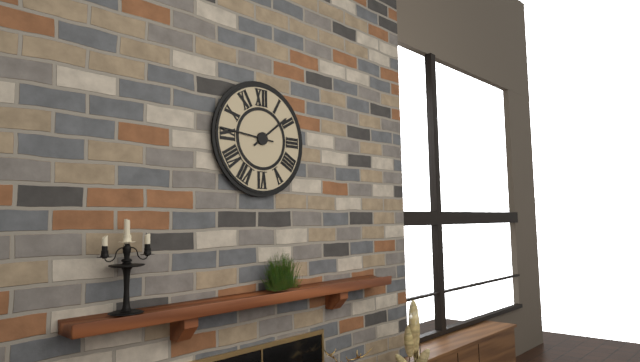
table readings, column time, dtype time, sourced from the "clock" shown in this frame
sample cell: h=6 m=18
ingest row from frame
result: h=1 m=46
